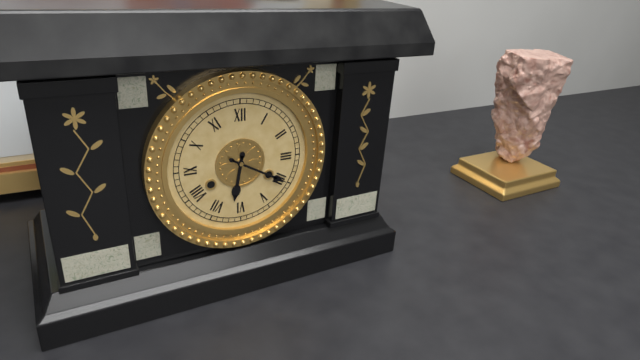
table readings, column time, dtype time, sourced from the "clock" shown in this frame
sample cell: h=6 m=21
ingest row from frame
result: h=6 m=20
